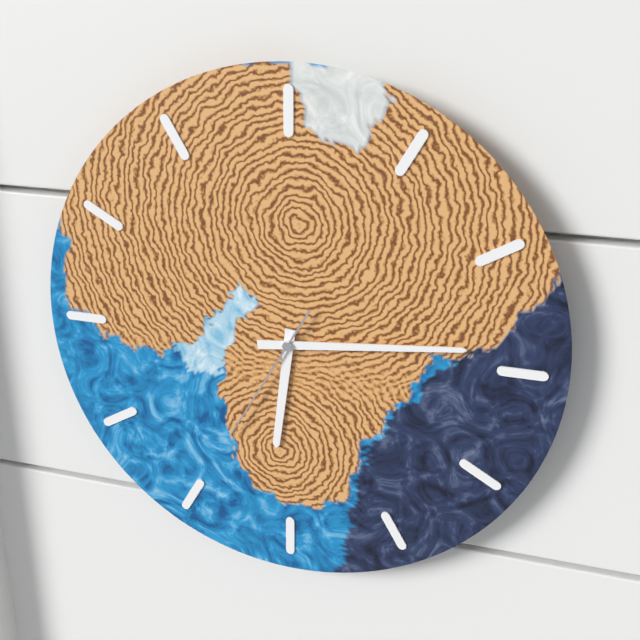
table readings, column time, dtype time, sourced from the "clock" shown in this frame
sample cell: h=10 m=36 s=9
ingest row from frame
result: h=6 m=14 s=35
